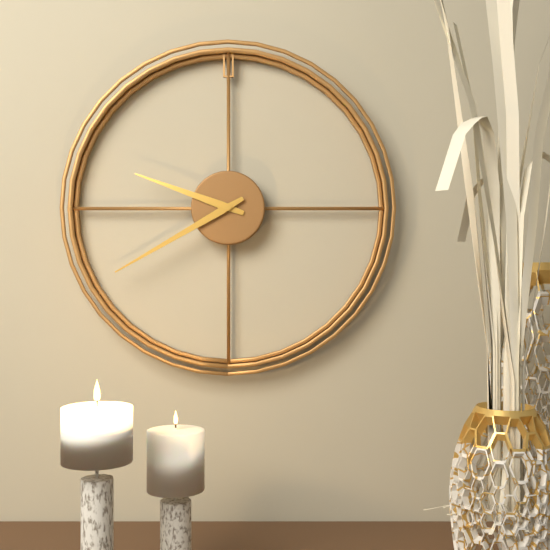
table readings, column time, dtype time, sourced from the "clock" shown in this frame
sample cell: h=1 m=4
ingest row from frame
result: h=9 m=40
